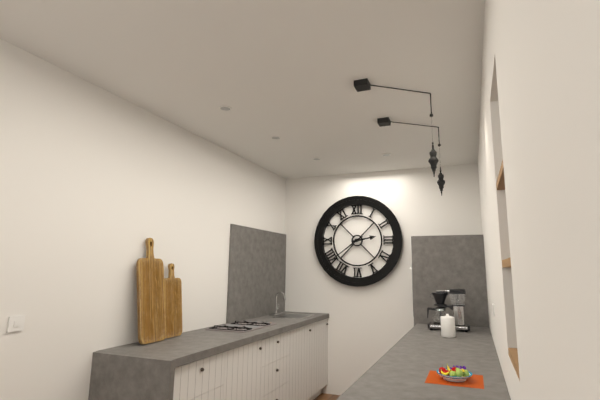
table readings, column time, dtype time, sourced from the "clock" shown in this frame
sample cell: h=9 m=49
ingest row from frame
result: h=2 m=39
